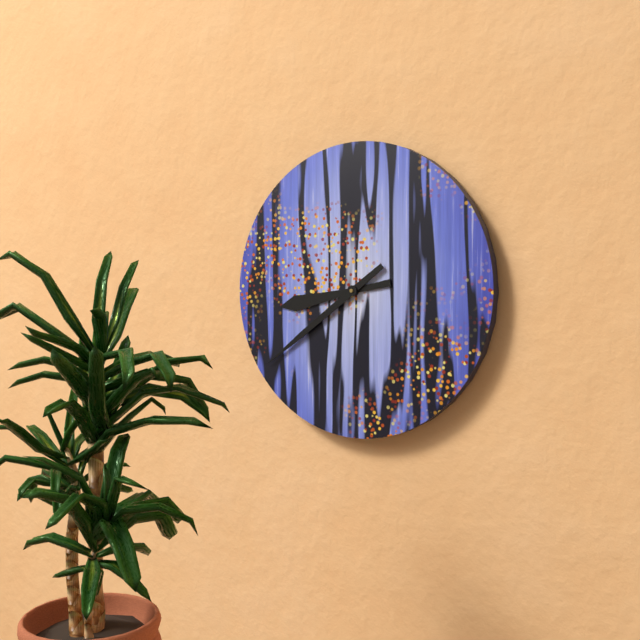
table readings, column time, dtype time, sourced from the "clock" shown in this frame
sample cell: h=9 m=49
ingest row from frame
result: h=8 m=39
